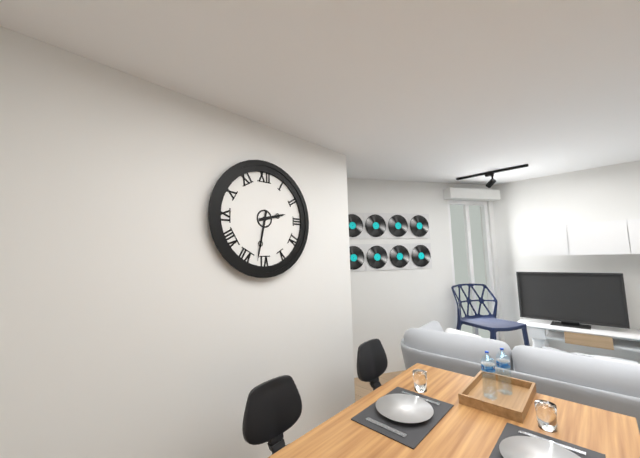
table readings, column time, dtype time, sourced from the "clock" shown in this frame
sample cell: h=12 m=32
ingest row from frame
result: h=2 m=32
